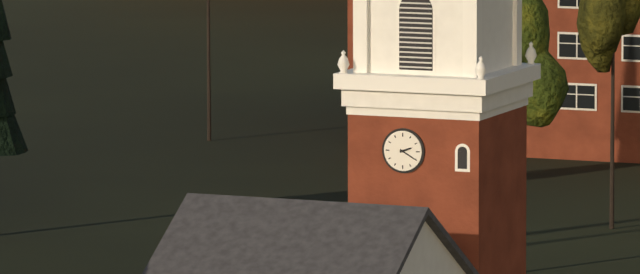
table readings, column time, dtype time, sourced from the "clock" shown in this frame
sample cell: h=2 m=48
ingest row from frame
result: h=2 m=20
